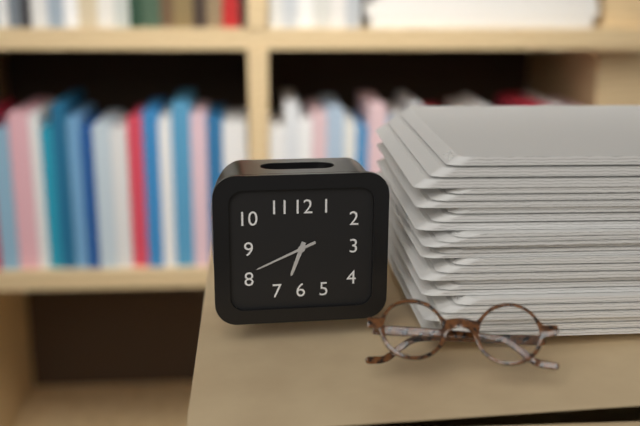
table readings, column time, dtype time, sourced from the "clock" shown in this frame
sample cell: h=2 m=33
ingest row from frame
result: h=6 m=41
